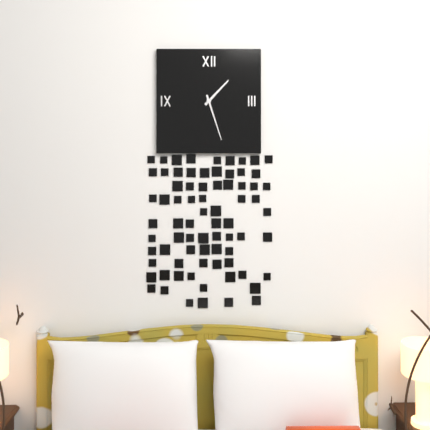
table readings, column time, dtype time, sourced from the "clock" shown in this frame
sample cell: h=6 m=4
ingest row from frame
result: h=1 m=27
